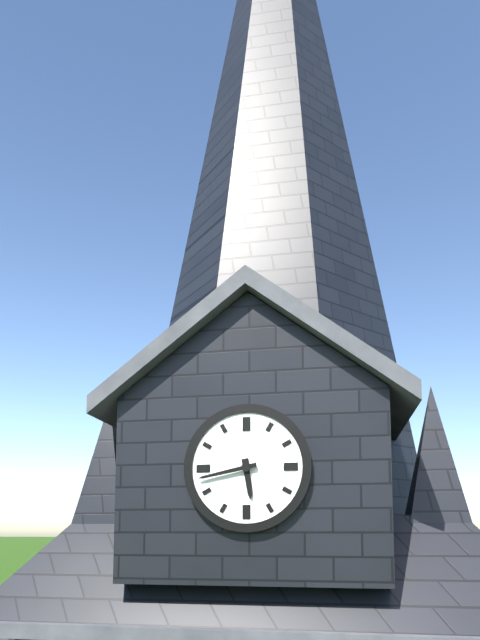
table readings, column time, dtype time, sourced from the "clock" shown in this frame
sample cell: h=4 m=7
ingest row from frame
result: h=5 m=43
